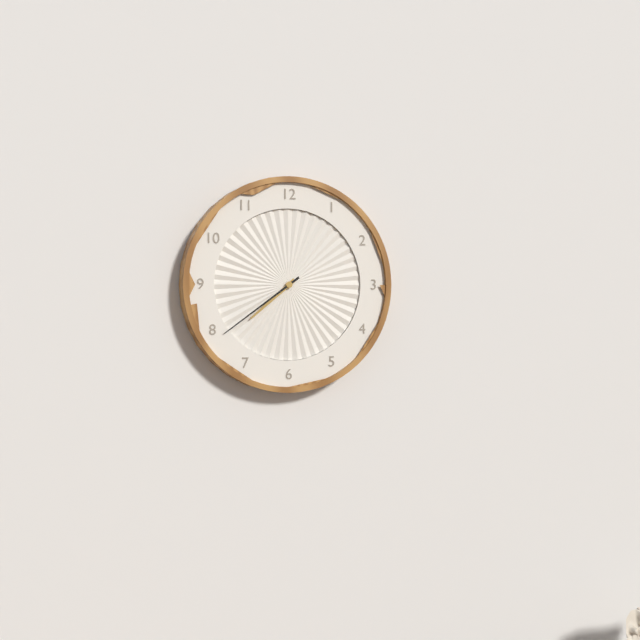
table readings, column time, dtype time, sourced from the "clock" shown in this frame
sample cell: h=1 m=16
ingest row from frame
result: h=7 m=39
